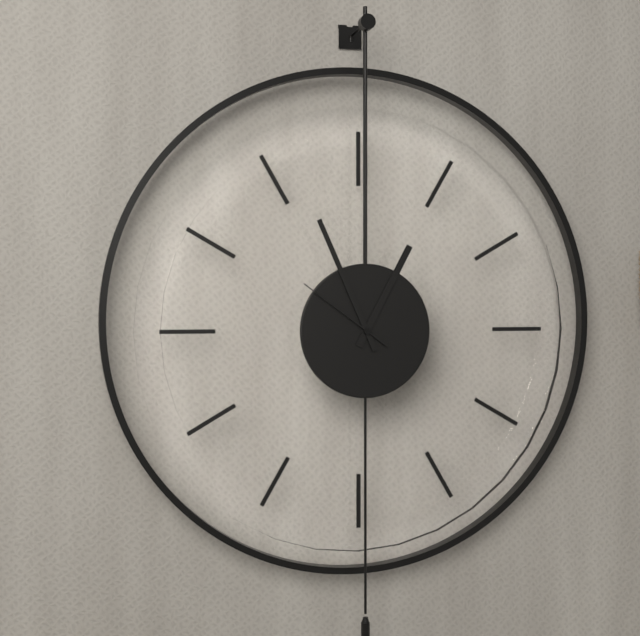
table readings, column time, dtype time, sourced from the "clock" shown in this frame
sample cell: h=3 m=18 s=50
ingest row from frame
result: h=12 m=56 s=51
